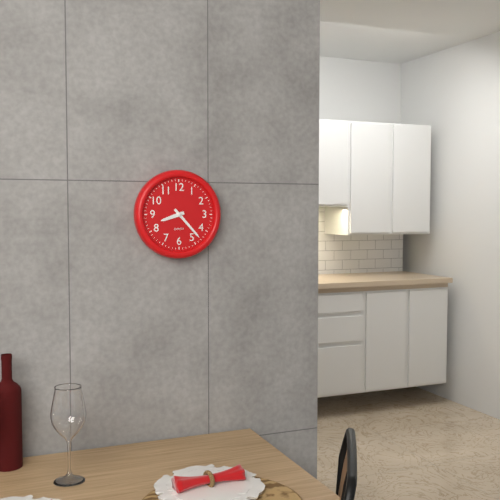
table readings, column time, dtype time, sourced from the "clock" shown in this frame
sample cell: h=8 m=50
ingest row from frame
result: h=8 m=23
